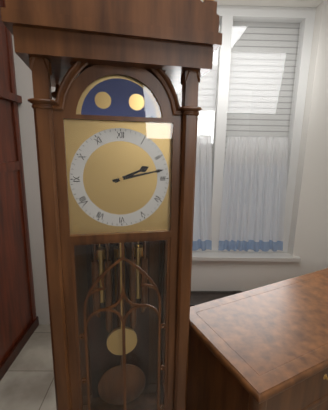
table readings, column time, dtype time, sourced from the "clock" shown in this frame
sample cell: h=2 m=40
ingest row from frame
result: h=2 m=13
